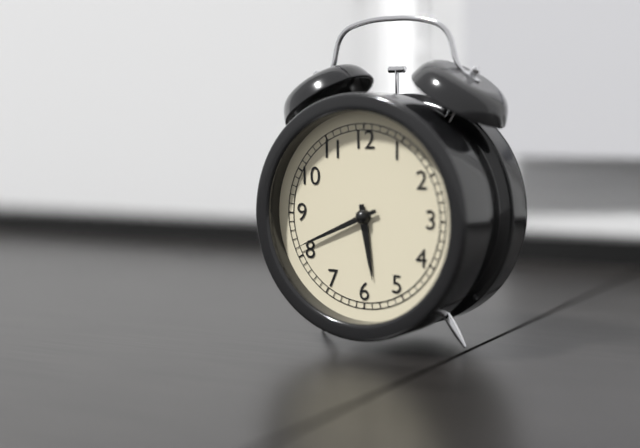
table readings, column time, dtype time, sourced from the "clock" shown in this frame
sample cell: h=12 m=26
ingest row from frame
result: h=5 m=41
